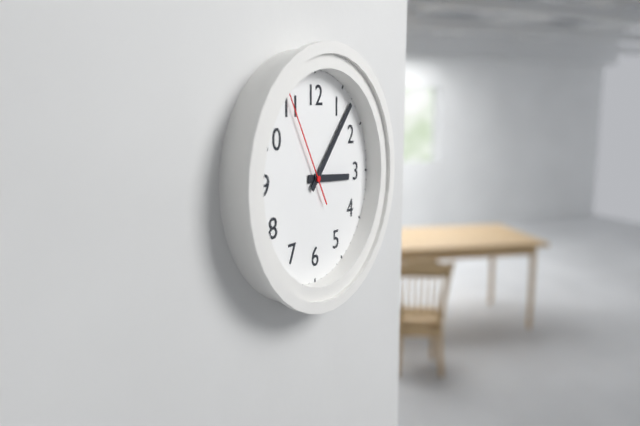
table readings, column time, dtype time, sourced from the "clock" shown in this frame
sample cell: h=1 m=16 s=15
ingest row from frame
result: h=3 m=7 s=55
